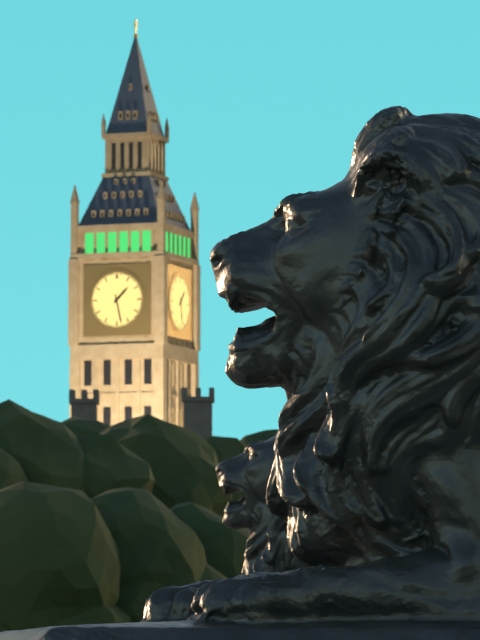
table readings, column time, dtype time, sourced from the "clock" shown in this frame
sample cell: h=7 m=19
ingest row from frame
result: h=1 m=28
